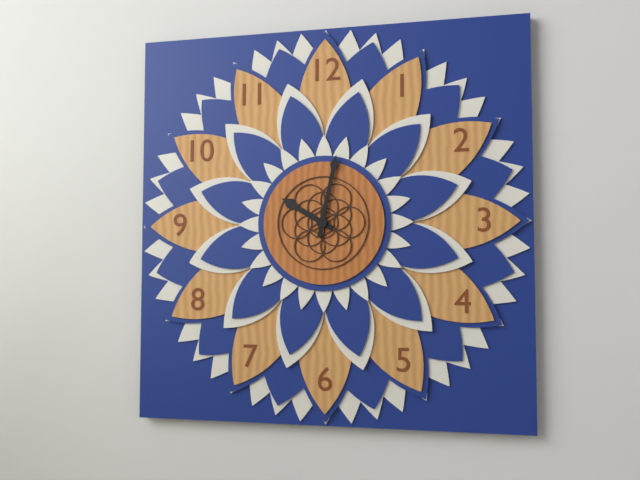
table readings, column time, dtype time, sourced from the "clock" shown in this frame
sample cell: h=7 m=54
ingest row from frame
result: h=10 m=2
